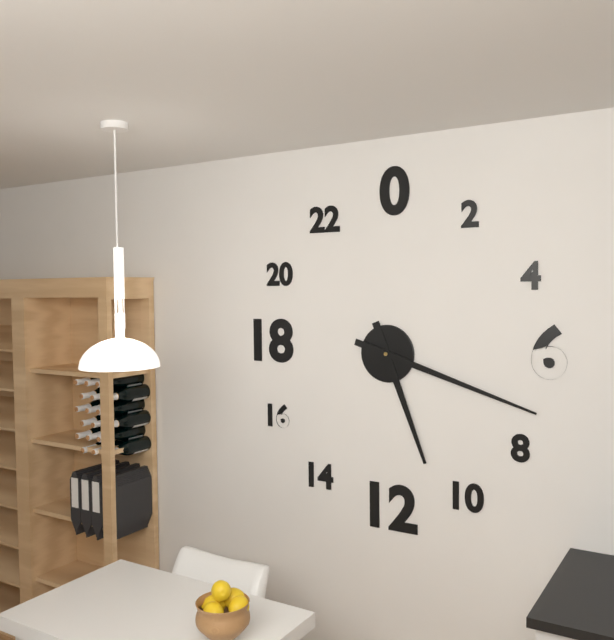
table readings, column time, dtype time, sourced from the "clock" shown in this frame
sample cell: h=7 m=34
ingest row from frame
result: h=5 m=18
